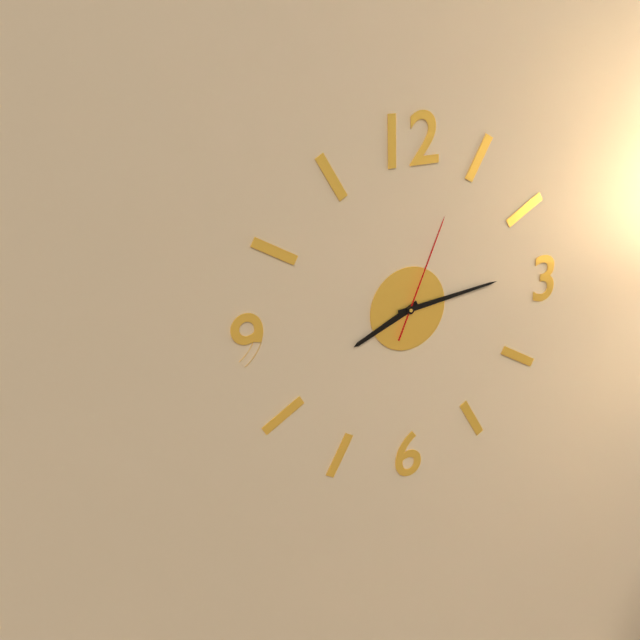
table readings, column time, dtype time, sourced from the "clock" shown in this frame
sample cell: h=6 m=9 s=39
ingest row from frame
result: h=8 m=14 s=4
